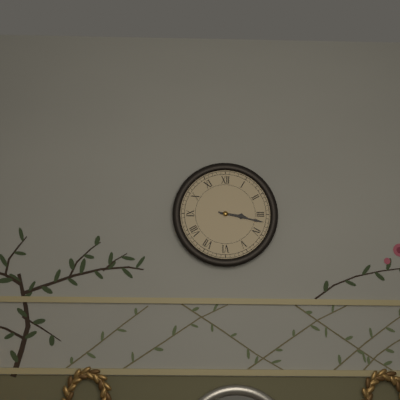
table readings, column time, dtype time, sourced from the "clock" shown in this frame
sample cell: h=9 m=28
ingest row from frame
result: h=3 m=17
